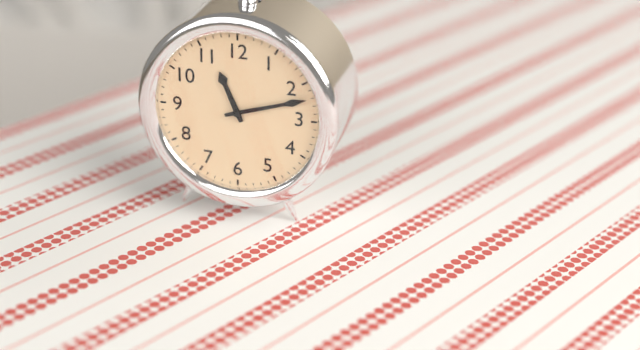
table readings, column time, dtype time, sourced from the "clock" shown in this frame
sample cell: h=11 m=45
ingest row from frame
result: h=11 m=12
